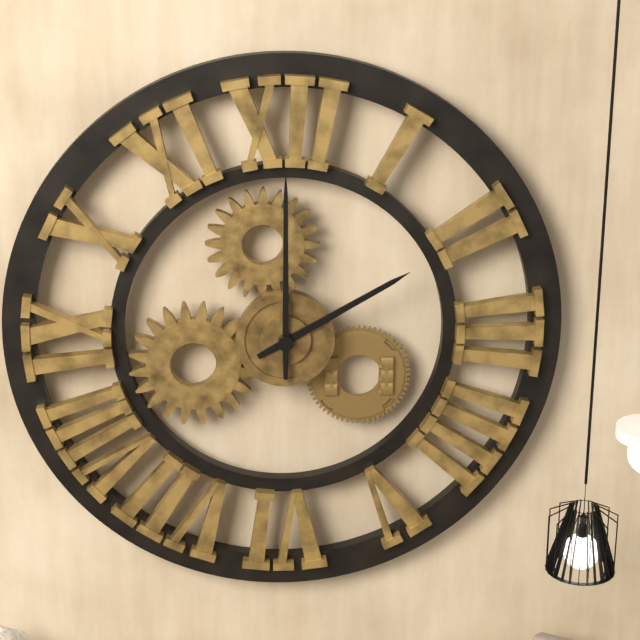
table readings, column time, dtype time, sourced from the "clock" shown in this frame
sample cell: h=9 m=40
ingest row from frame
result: h=2 m=0
